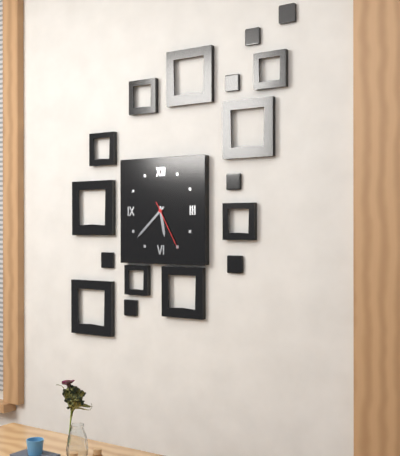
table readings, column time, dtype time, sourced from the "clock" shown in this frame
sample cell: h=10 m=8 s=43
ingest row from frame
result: h=5 m=38 s=25
